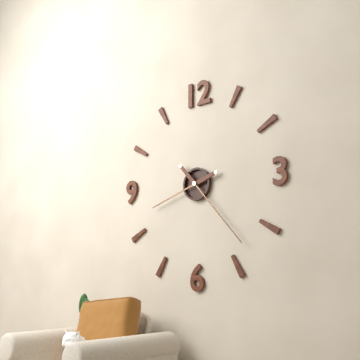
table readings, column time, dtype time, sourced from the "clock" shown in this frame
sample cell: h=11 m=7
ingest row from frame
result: h=8 m=23
